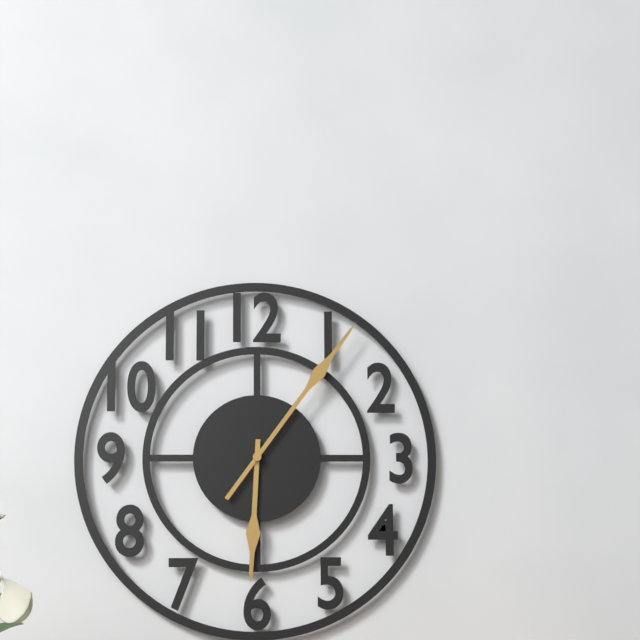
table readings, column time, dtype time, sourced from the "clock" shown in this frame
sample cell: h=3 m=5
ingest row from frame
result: h=6 m=6
